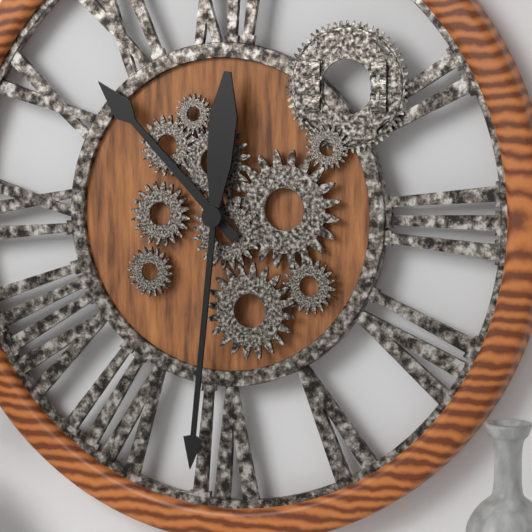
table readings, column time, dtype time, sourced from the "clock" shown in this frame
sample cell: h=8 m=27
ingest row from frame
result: h=10 m=31
